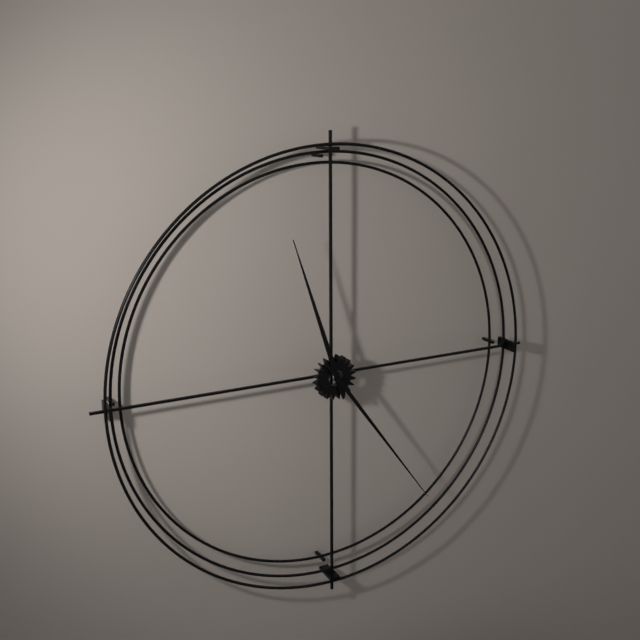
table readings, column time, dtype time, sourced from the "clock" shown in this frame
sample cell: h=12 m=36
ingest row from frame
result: h=11 m=24
